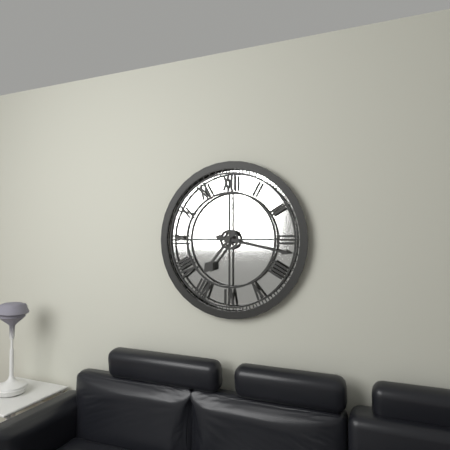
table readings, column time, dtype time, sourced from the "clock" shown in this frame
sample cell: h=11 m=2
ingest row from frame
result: h=7 m=17
